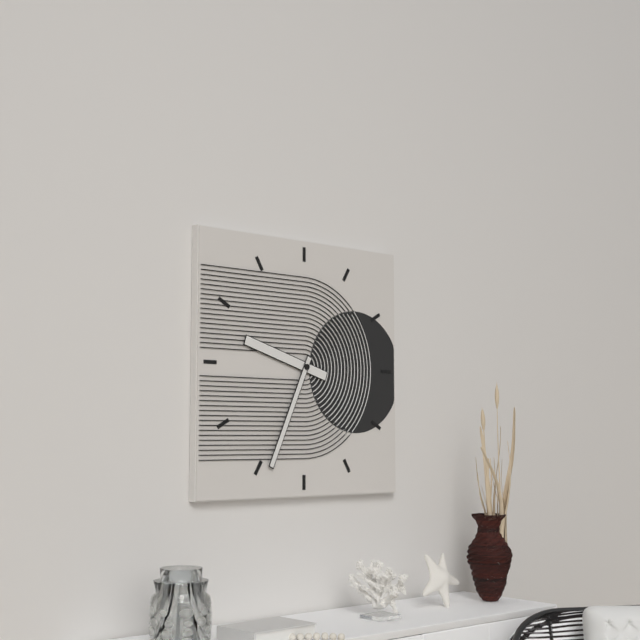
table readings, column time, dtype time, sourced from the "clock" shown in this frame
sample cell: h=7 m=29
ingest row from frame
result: h=9 m=34
